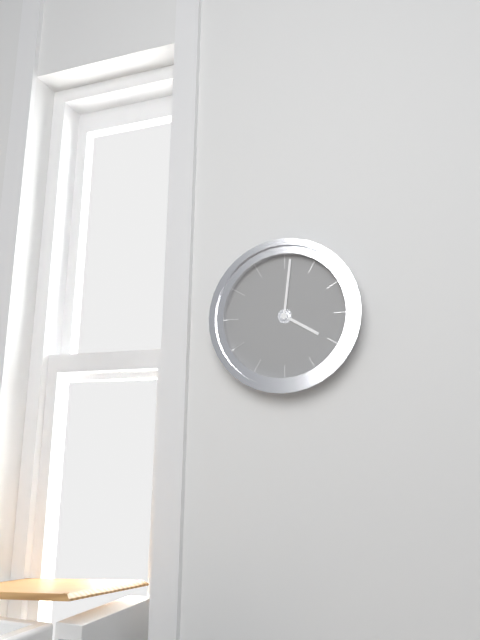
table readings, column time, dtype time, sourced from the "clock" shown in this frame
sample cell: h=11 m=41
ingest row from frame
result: h=4 m=1
